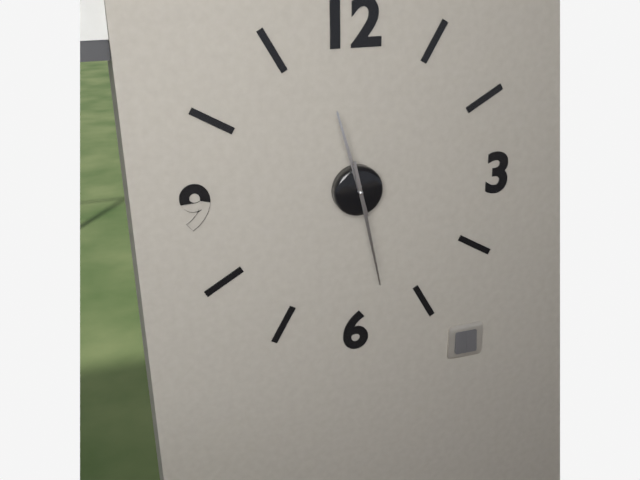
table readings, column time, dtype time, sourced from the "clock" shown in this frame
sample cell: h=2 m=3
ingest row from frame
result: h=11 m=28
